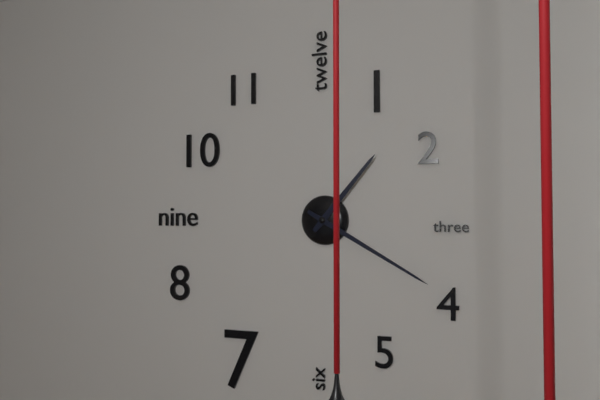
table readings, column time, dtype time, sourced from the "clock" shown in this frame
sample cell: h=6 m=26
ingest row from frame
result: h=1 m=20
